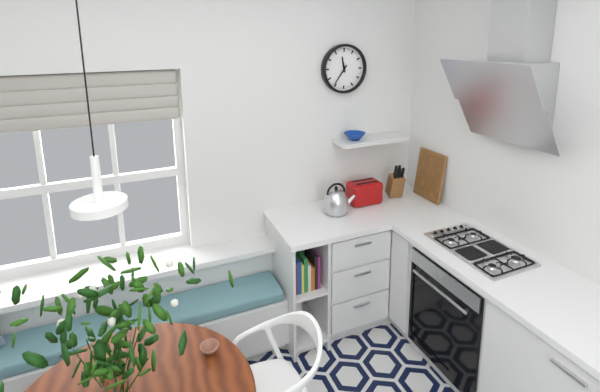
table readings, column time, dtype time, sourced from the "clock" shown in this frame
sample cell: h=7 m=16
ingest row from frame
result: h=11 m=36
